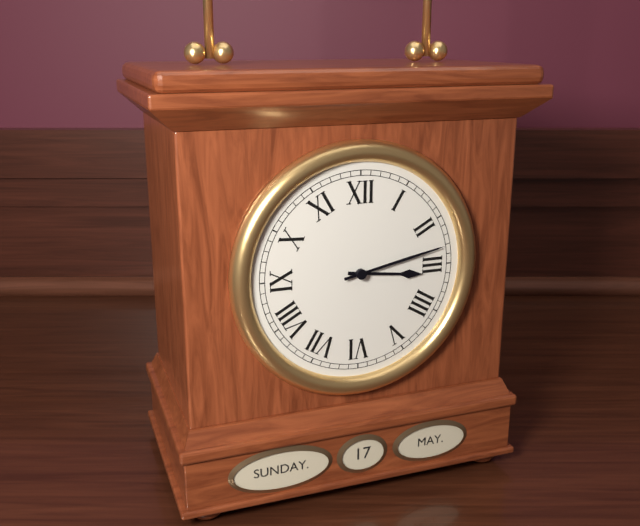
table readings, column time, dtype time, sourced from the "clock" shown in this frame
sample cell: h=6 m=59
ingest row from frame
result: h=3 m=13
